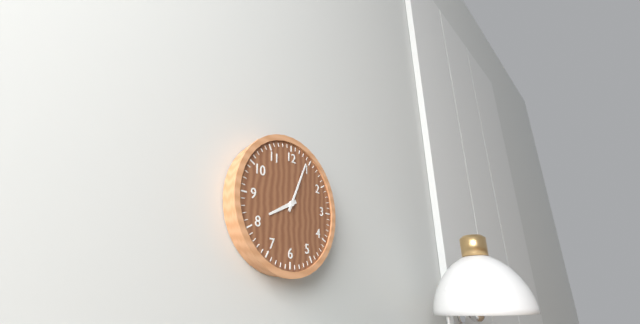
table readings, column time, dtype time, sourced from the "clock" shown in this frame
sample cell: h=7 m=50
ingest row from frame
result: h=8 m=4
